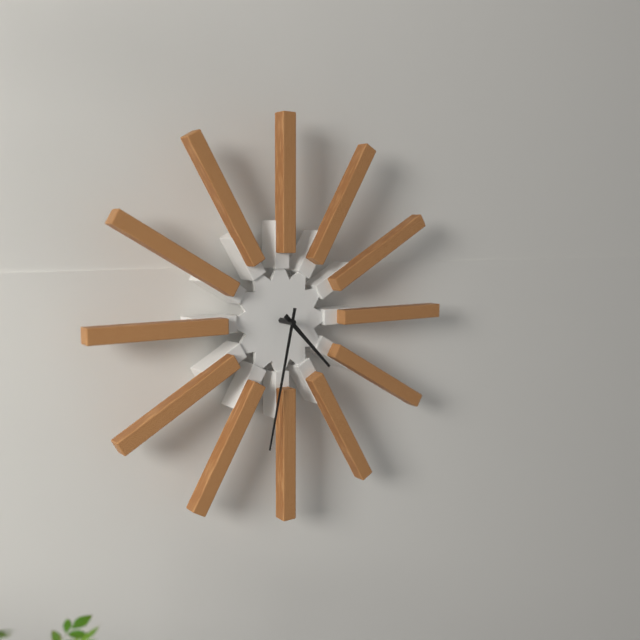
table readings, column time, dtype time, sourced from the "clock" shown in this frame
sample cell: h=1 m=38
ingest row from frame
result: h=4 m=32
